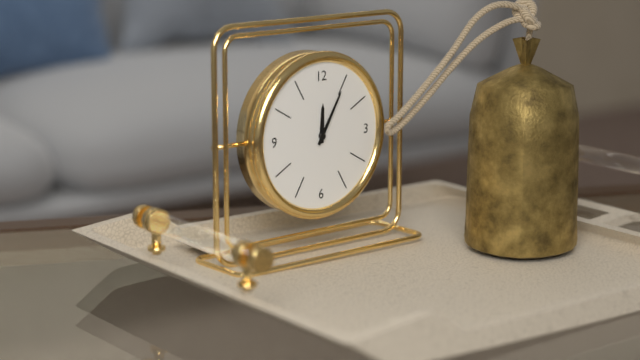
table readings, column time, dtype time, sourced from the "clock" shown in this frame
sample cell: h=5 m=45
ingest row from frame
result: h=12 m=5
